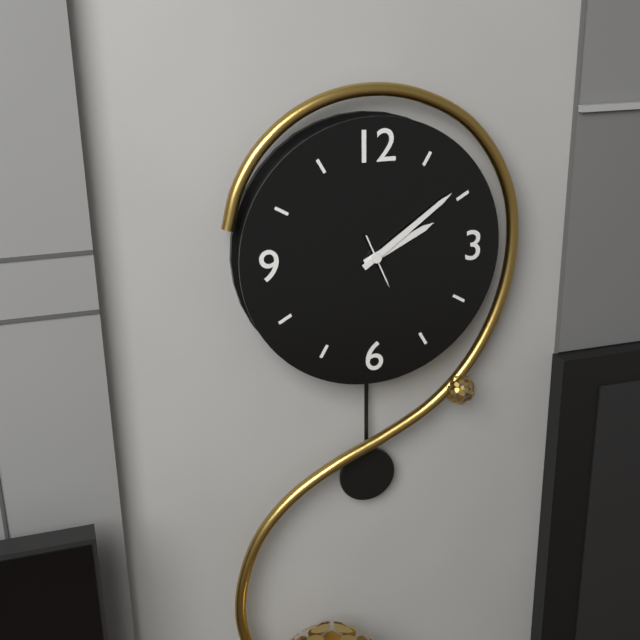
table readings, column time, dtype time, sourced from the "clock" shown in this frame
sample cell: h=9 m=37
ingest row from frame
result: h=2 m=9
